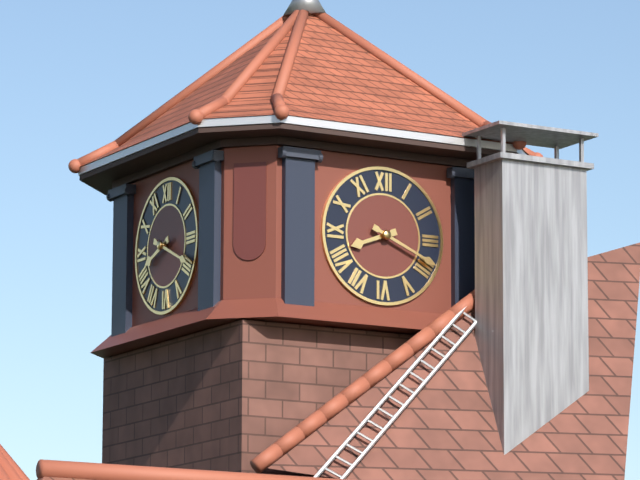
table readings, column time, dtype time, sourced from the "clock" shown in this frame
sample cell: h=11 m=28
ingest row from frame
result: h=8 m=19
